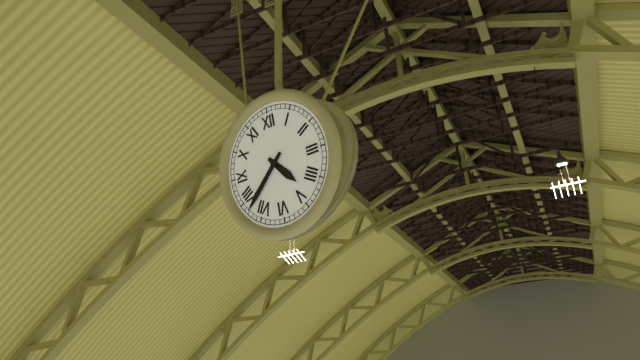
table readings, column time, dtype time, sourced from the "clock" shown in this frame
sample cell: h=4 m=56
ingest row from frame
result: h=4 m=38
